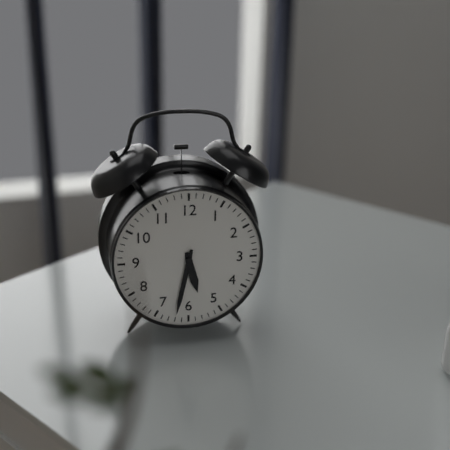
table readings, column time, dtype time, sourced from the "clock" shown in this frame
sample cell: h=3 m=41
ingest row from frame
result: h=5 m=32
